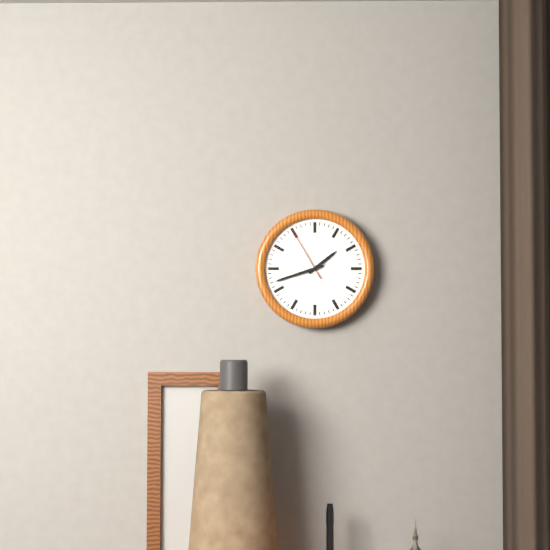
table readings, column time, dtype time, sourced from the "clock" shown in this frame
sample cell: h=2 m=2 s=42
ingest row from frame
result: h=1 m=42 s=55
